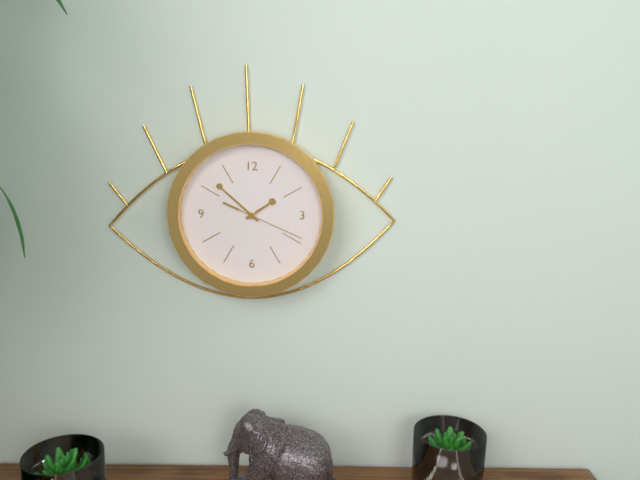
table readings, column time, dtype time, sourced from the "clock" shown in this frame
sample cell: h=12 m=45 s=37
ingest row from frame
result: h=1 m=52 s=19
